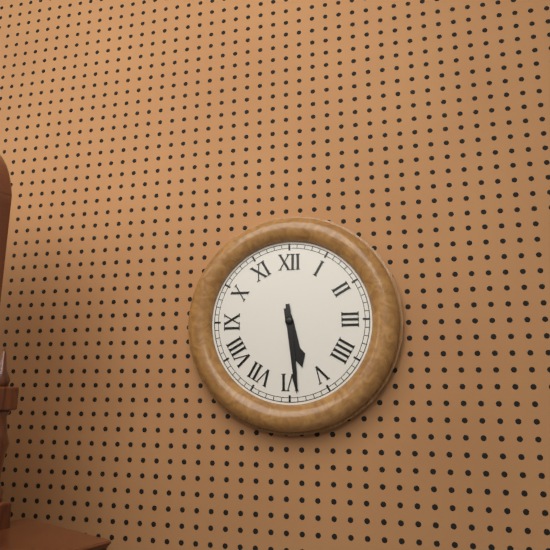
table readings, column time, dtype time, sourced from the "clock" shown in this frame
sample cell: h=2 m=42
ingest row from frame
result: h=5 m=29
